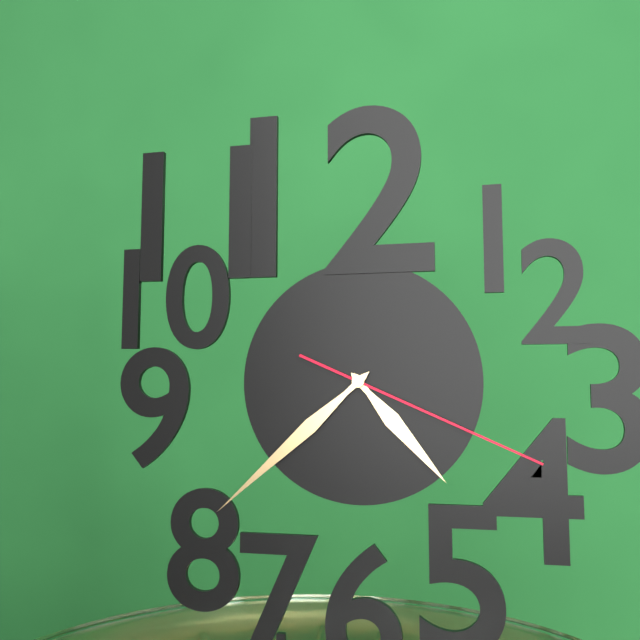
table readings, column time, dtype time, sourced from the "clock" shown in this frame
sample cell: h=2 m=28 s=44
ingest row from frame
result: h=4 m=38 s=19
